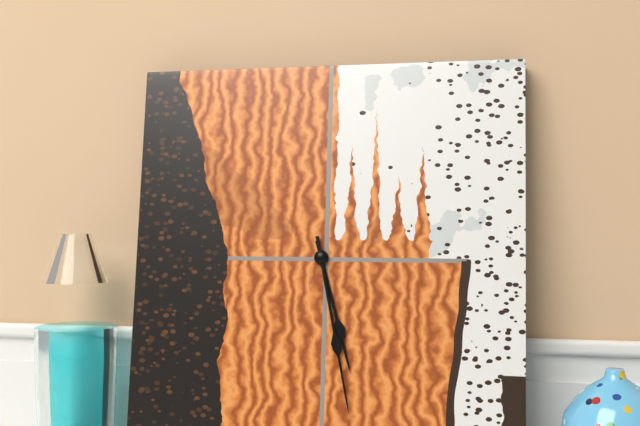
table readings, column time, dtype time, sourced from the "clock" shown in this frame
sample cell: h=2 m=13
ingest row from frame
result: h=5 m=28
